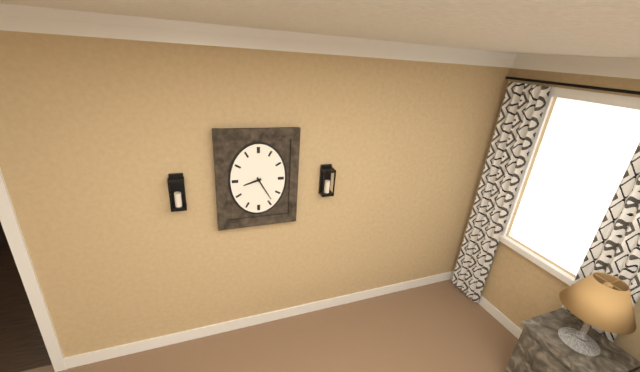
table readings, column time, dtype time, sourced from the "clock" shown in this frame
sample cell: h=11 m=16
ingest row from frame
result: h=8 m=25
